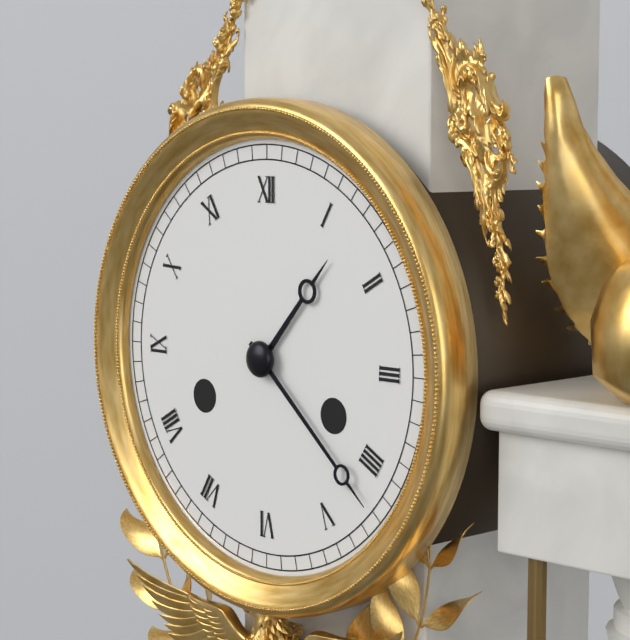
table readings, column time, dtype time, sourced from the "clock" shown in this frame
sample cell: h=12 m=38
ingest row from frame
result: h=1 m=22
